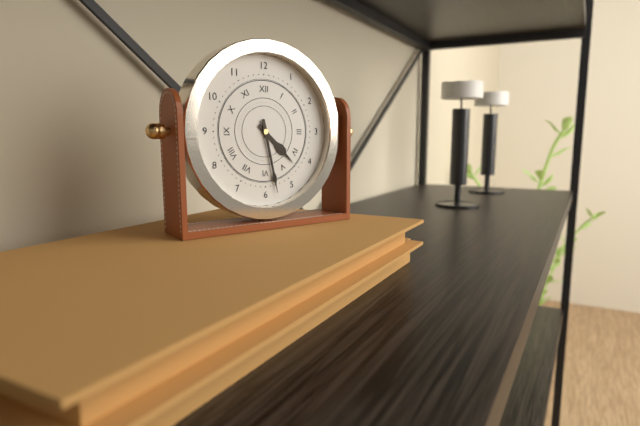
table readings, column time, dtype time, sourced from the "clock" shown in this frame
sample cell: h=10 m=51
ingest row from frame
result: h=4 m=28
